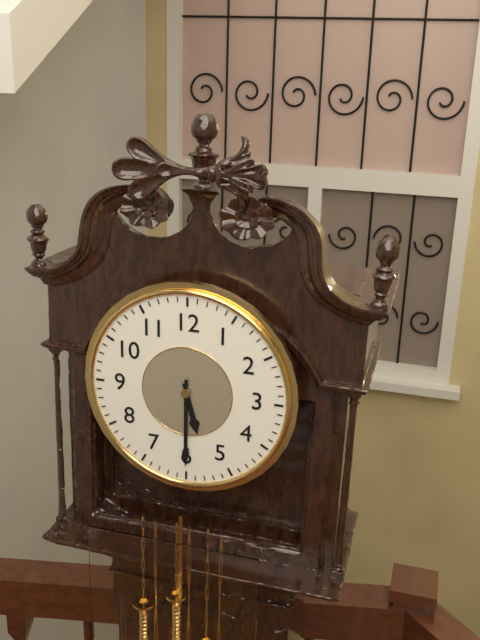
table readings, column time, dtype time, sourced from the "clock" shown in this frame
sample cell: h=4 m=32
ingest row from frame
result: h=5 m=30
